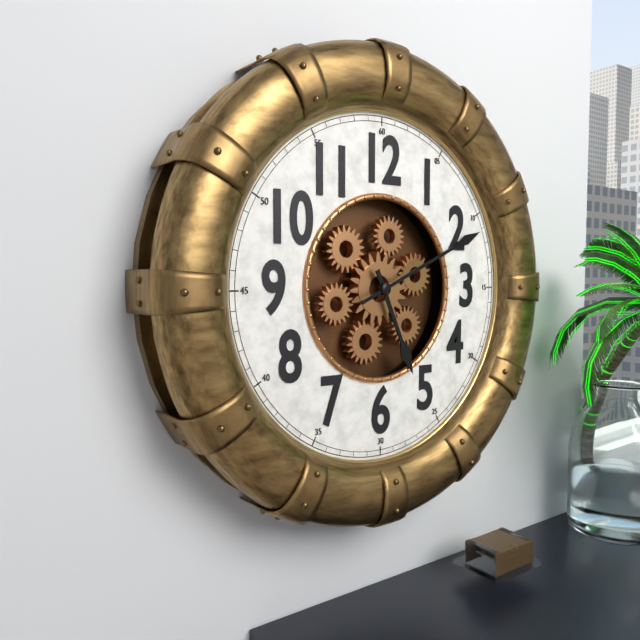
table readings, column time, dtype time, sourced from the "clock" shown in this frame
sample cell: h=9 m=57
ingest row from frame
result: h=5 m=11
